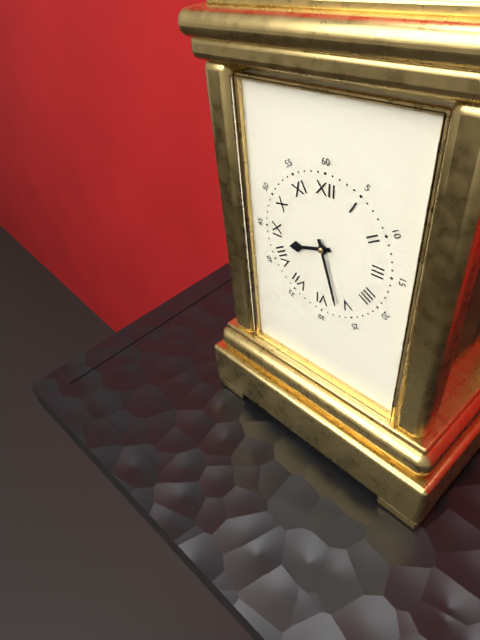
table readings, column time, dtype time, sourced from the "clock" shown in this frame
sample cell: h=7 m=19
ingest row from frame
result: h=8 m=27
